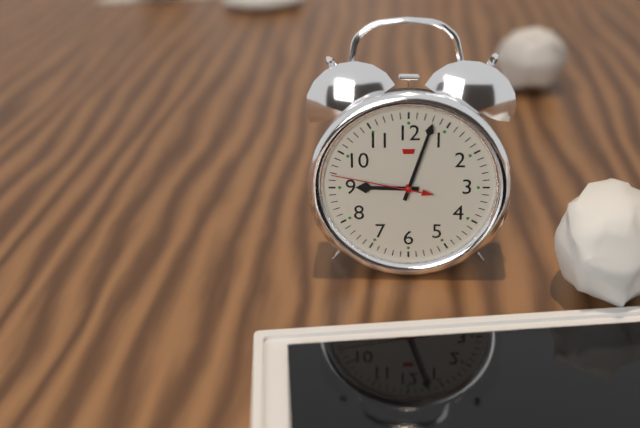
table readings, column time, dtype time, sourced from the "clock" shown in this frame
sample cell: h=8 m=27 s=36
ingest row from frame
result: h=9 m=3 s=47
